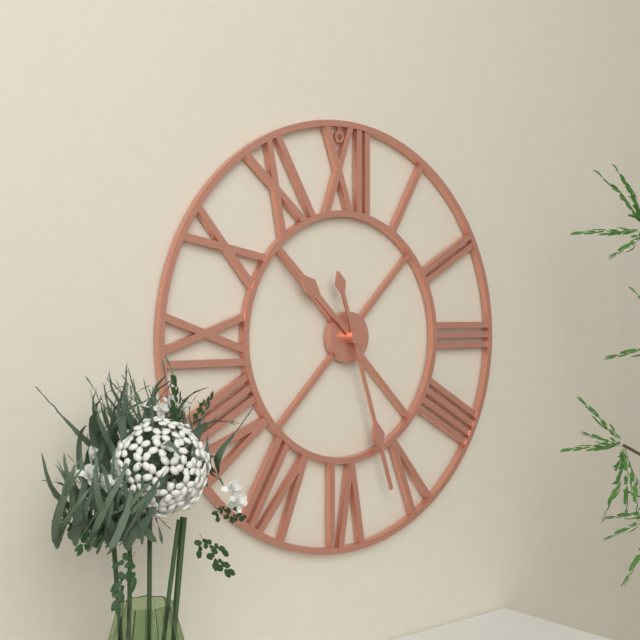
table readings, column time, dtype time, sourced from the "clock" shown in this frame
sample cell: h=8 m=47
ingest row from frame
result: h=10 m=27
